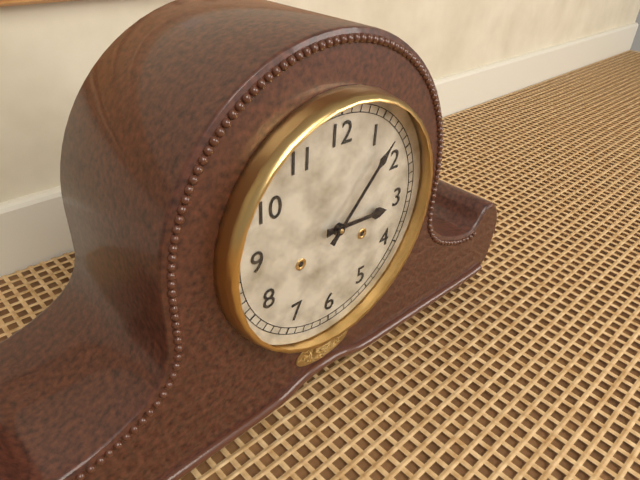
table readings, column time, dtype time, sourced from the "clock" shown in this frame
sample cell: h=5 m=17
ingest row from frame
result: h=3 m=7
